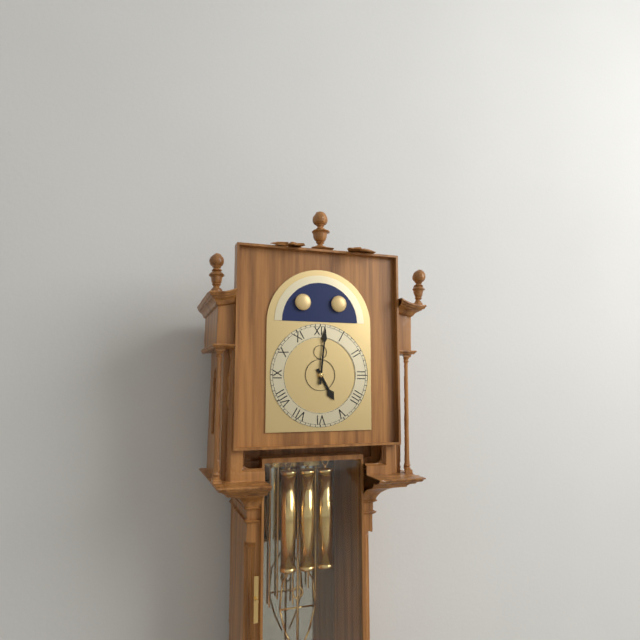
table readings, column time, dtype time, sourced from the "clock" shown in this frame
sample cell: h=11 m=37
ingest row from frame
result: h=5 m=1
